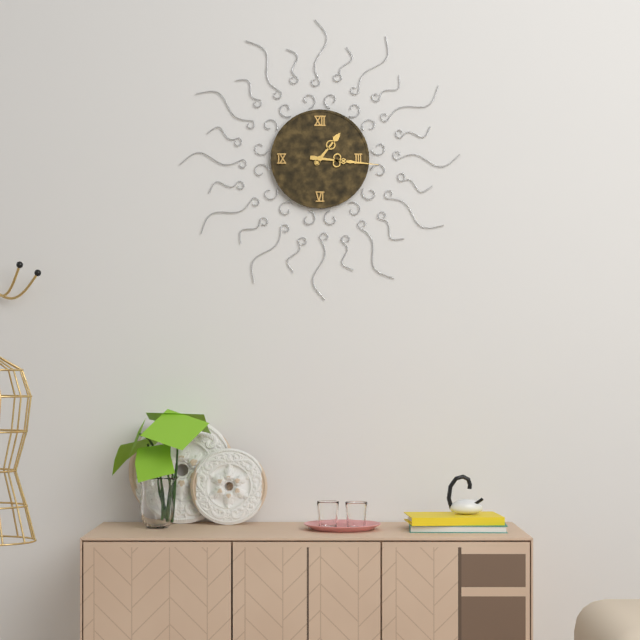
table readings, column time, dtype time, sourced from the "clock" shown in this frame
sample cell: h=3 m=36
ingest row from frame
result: h=1 m=16
